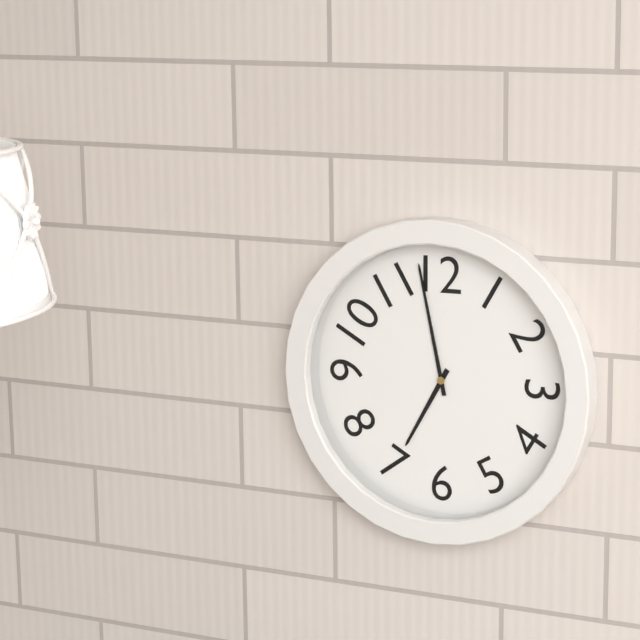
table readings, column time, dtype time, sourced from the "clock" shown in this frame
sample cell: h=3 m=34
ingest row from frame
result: h=6 m=58
